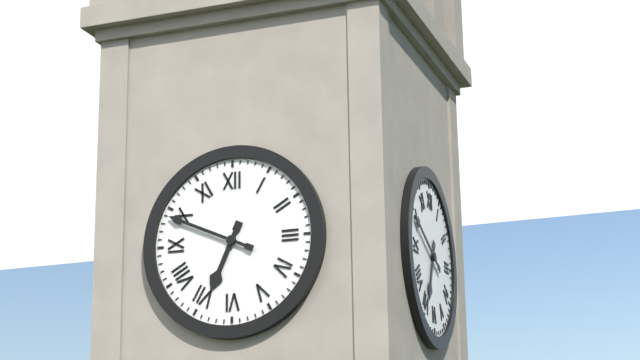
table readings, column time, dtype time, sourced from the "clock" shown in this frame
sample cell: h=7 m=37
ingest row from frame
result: h=6 m=49
